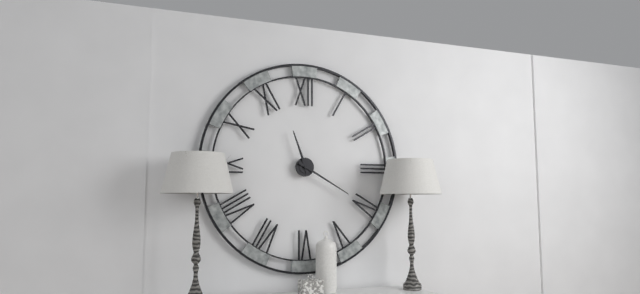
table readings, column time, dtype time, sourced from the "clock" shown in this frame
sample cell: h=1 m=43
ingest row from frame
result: h=11 m=20
